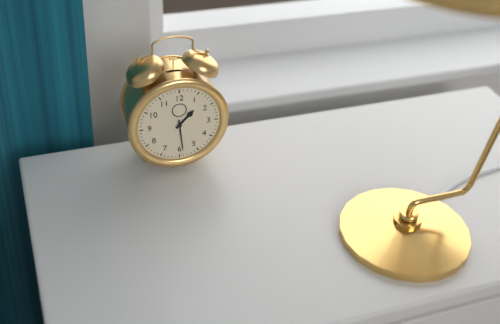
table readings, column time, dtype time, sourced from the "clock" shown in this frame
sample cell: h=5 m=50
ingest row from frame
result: h=1 m=29
